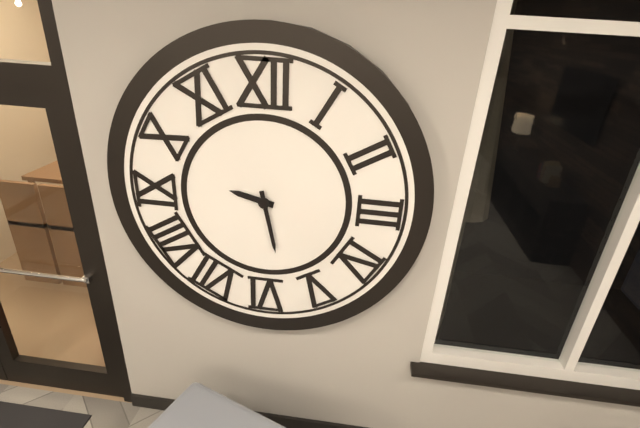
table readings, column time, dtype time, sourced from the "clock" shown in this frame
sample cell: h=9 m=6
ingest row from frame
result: h=9 m=28
